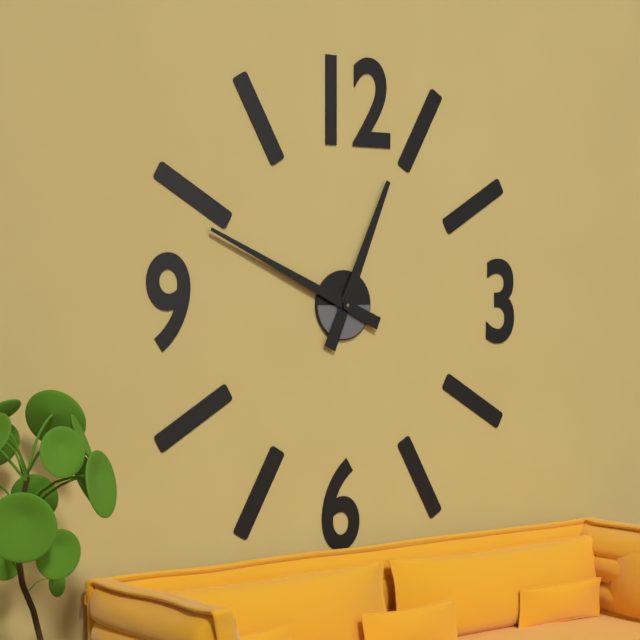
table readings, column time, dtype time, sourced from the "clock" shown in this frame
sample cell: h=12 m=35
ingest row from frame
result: h=12 m=49
